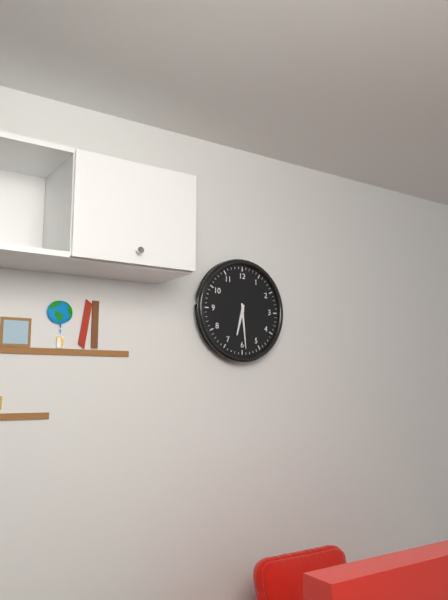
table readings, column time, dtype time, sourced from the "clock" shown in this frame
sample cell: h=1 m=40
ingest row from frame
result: h=6 m=29
